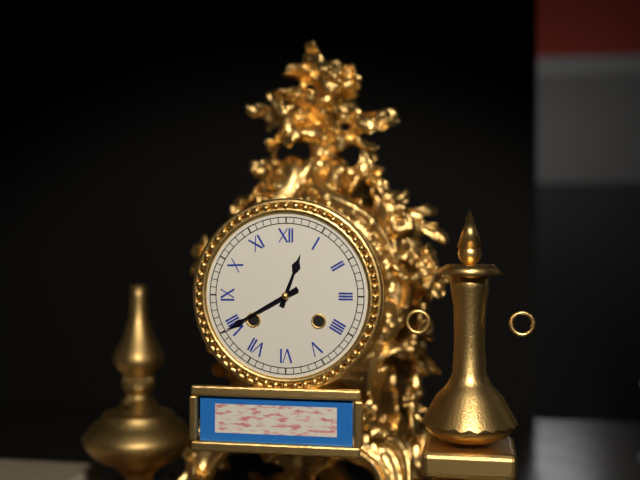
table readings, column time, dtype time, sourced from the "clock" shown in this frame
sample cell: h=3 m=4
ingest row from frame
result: h=12 m=40
